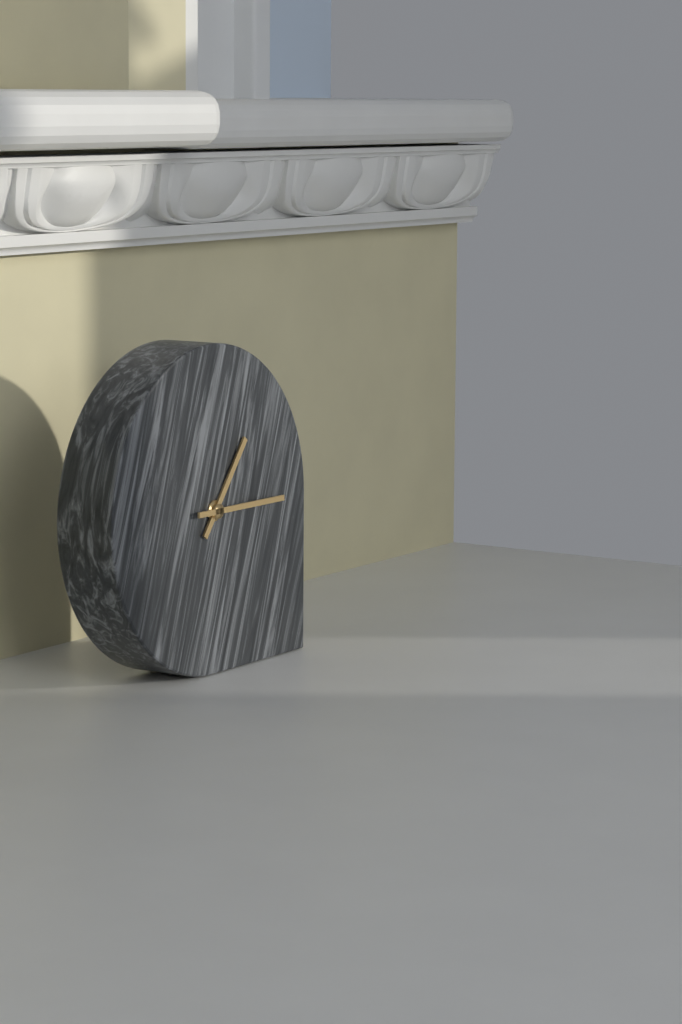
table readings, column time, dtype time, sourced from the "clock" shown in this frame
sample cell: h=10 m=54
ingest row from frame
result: h=1 m=15
